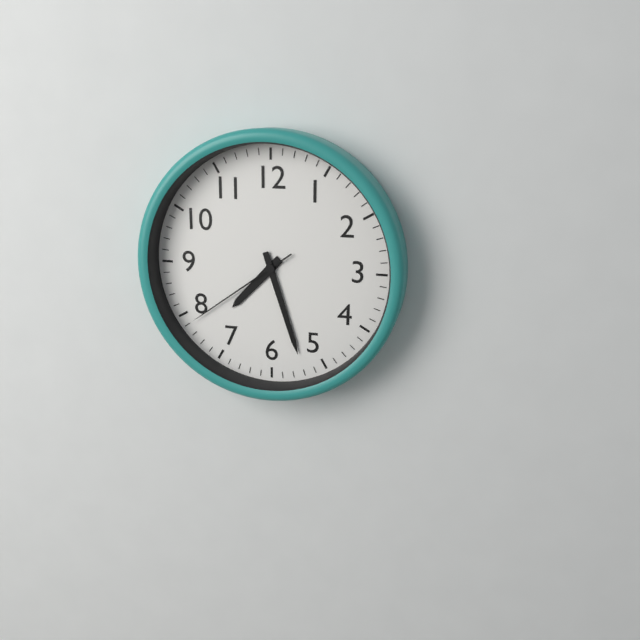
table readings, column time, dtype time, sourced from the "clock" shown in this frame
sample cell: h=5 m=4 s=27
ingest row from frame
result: h=7 m=27 s=39
